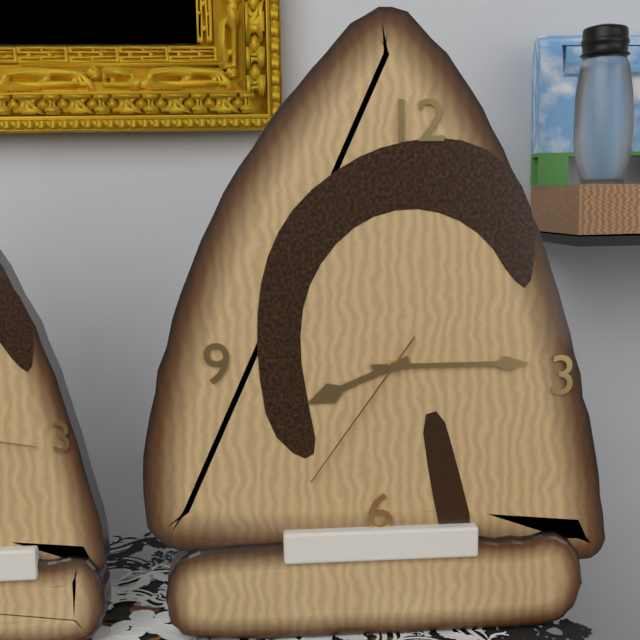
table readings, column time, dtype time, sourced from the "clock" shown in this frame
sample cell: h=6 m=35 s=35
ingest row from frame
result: h=8 m=15 s=36
